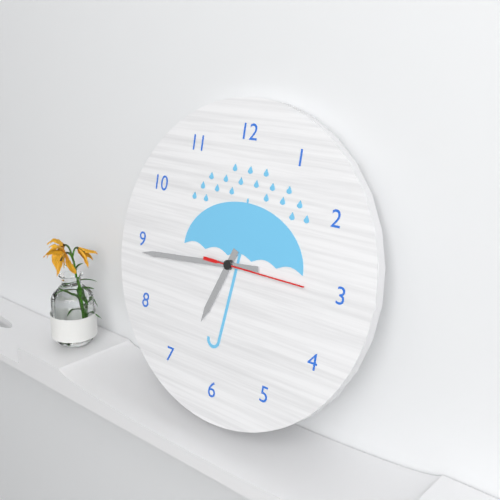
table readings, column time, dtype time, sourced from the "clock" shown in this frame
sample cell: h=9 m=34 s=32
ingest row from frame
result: h=6 m=44 s=15
